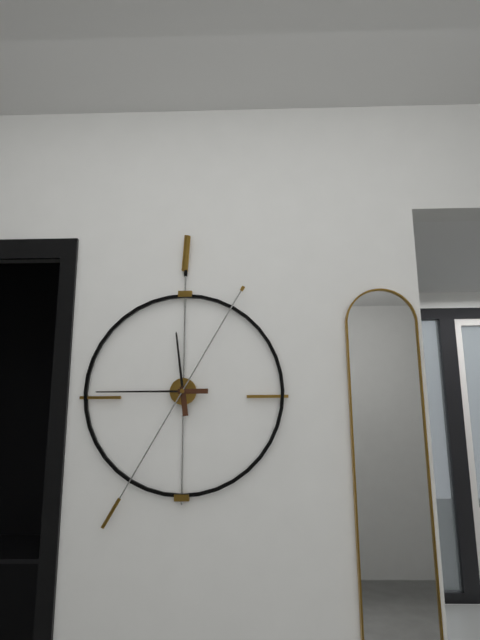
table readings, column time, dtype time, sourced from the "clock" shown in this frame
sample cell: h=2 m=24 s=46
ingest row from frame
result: h=11 m=45 s=35
